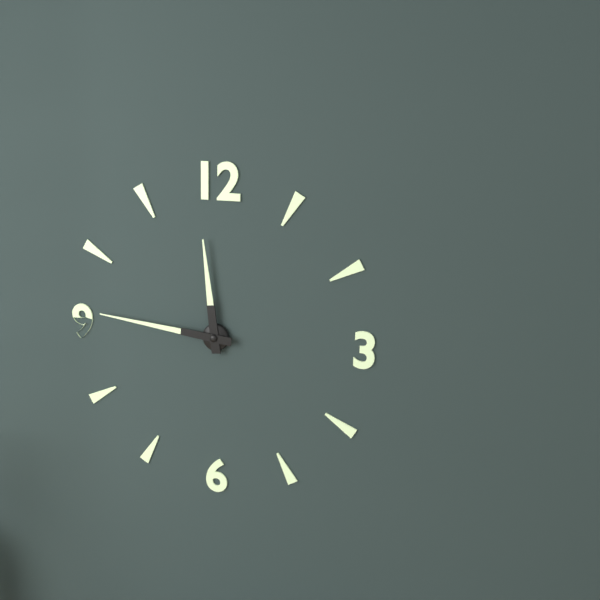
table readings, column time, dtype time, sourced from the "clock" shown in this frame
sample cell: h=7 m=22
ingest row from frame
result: h=11 m=46
